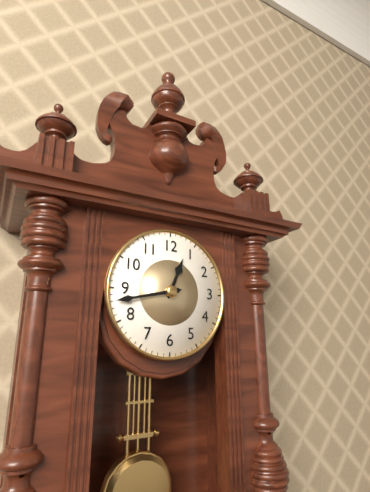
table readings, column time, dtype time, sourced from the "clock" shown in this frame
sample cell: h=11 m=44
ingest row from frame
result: h=12 m=43
